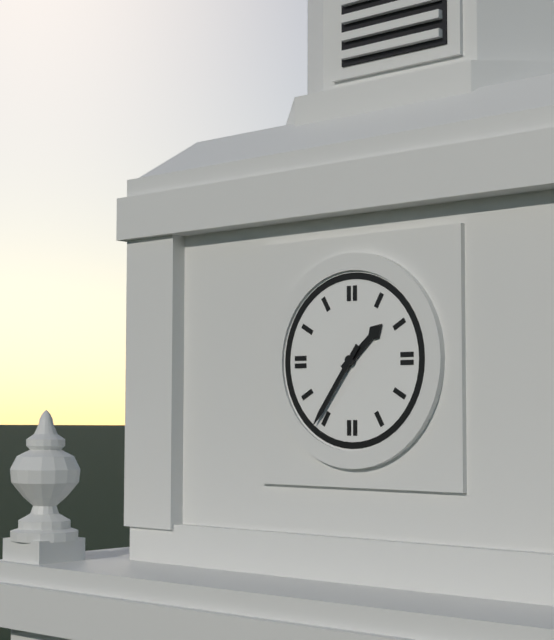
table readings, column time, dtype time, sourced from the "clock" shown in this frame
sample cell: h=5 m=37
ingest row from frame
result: h=1 m=36
